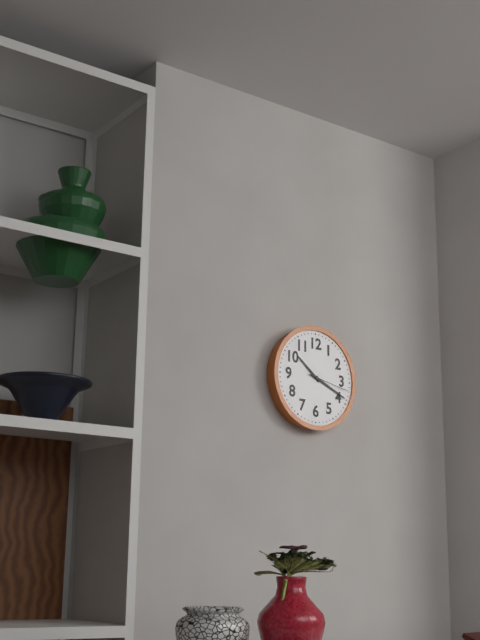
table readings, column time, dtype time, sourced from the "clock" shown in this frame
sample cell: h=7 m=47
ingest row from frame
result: h=10 m=19
